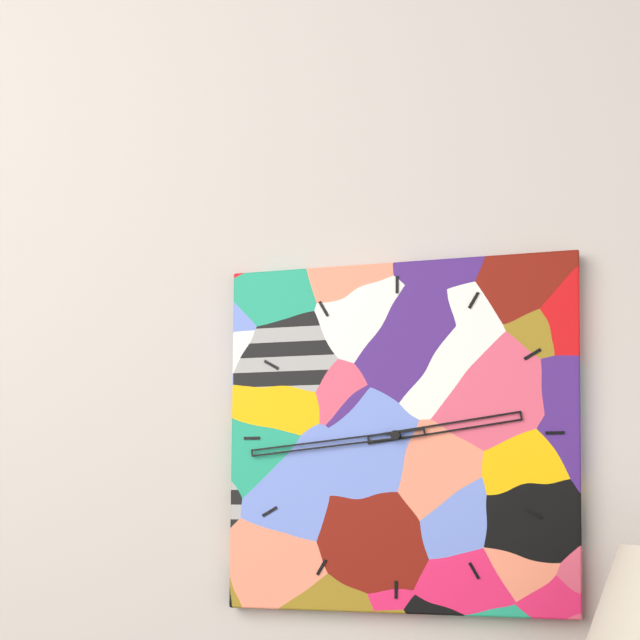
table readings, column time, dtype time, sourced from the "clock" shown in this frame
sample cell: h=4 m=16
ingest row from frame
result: h=2 m=44
